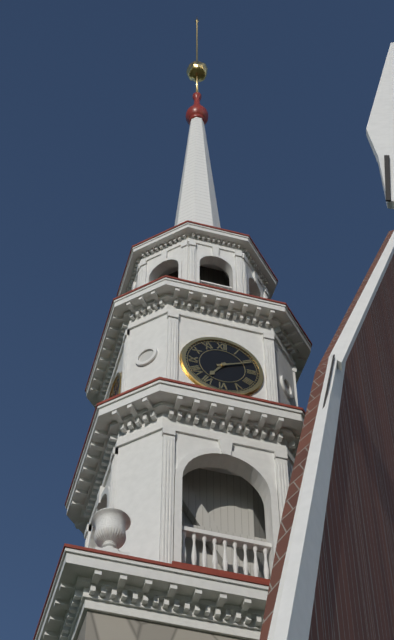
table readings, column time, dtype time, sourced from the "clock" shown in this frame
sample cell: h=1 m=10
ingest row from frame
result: h=7 m=11
